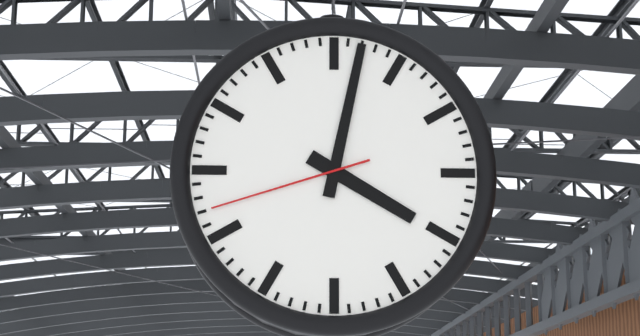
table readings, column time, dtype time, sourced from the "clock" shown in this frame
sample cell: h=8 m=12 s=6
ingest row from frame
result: h=4 m=2 s=42
